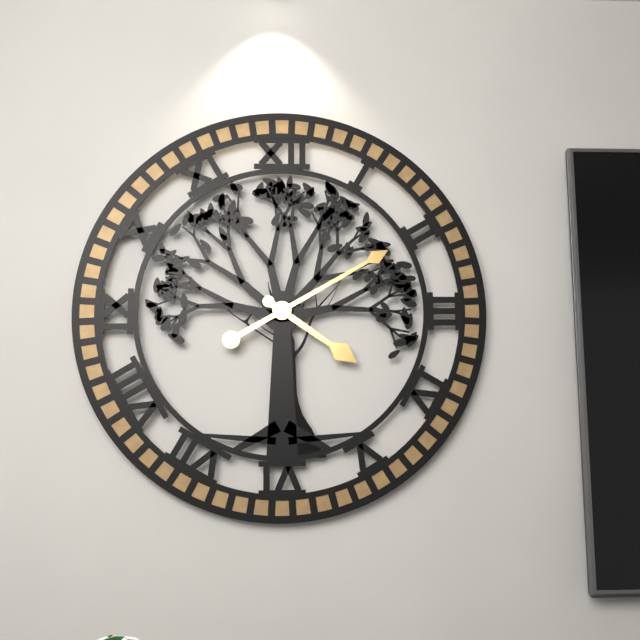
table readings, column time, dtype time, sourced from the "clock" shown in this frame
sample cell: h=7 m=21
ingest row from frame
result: h=4 m=10
